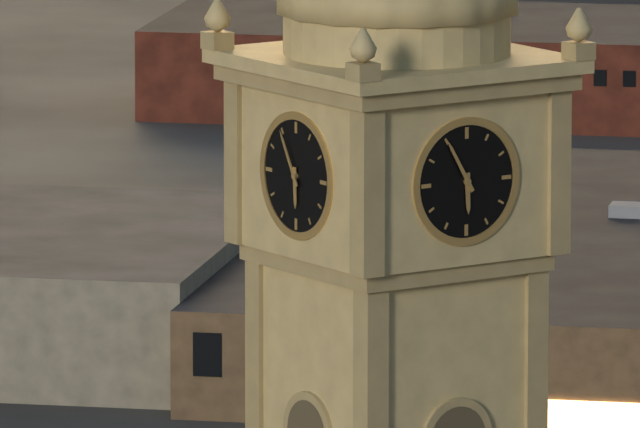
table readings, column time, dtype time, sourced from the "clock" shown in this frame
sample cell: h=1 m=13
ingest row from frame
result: h=5 m=55
